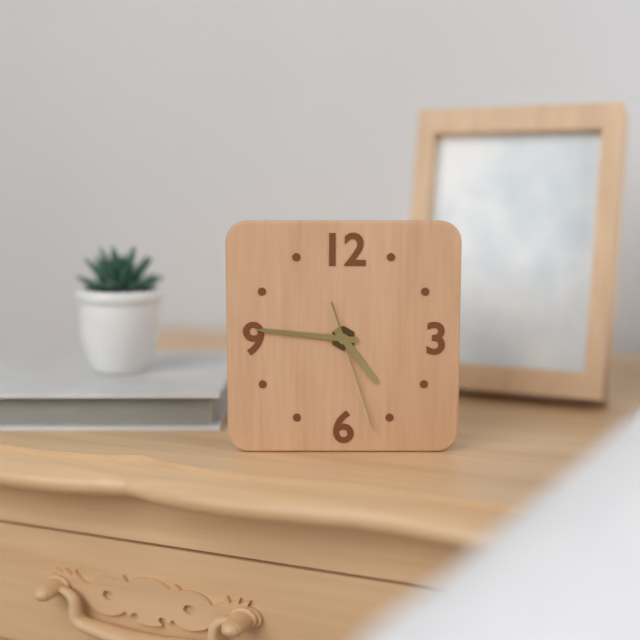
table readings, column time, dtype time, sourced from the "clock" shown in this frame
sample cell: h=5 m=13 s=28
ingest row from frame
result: h=4 m=46 s=27
